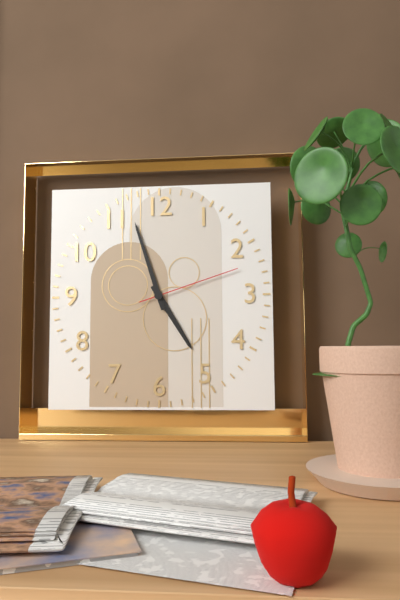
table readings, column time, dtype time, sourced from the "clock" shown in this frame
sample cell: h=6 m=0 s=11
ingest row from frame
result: h=4 m=57 s=12
